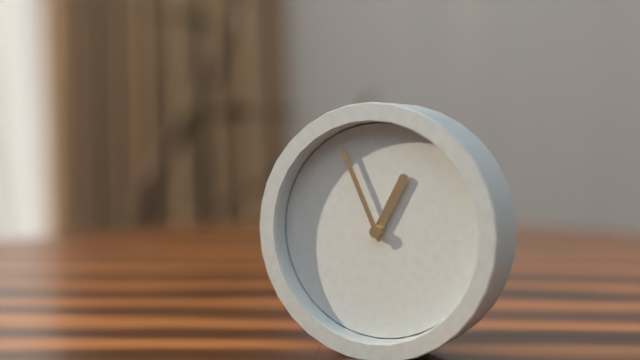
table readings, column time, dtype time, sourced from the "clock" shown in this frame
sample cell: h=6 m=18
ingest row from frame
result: h=12 m=56
